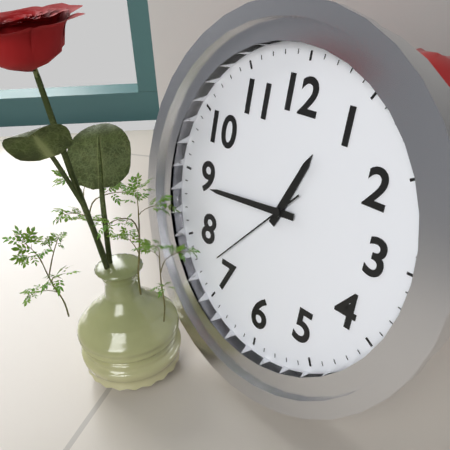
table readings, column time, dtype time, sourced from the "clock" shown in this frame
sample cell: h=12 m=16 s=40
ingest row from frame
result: h=12 m=44 s=37
